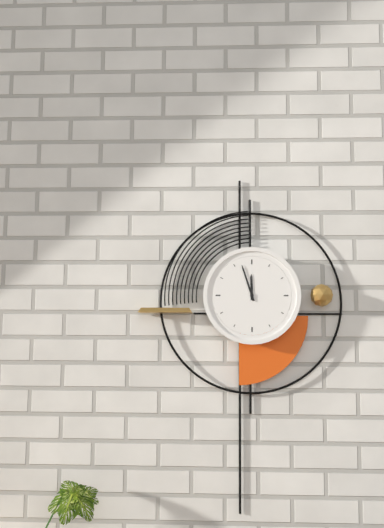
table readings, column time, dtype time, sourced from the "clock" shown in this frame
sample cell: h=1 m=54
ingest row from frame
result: h=11 m=57
